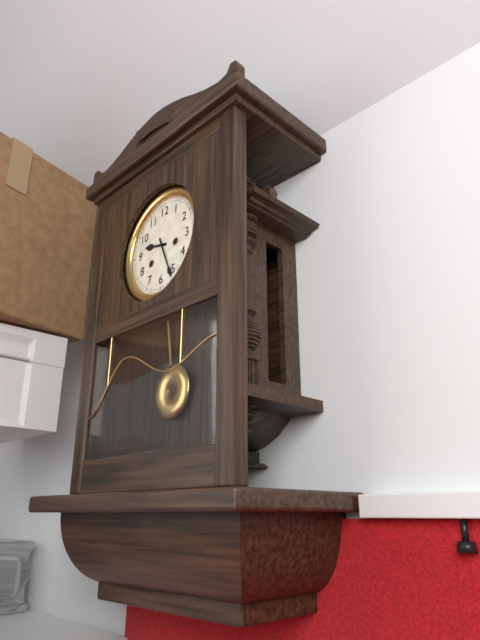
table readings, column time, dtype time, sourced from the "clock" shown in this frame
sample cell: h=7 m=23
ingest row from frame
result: h=9 m=26
